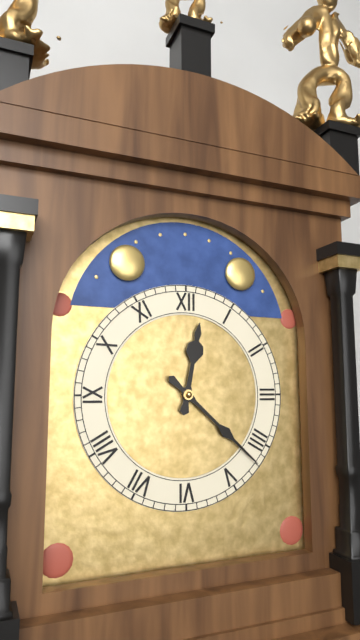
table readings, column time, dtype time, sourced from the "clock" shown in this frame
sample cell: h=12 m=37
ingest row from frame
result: h=12 m=22
